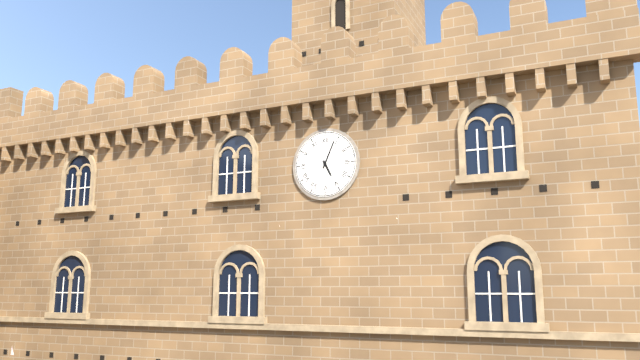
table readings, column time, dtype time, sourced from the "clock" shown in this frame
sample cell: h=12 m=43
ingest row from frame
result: h=5 m=4
